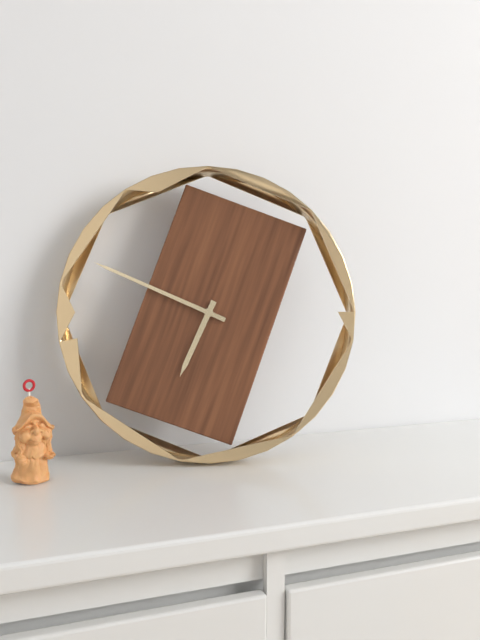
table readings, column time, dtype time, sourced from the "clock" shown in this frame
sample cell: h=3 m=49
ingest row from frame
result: h=6 m=49
